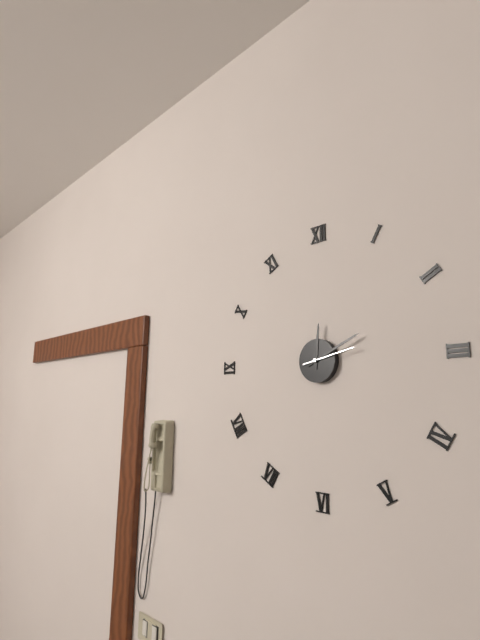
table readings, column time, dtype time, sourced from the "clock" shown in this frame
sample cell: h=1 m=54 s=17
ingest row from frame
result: h=12 m=11 s=13
